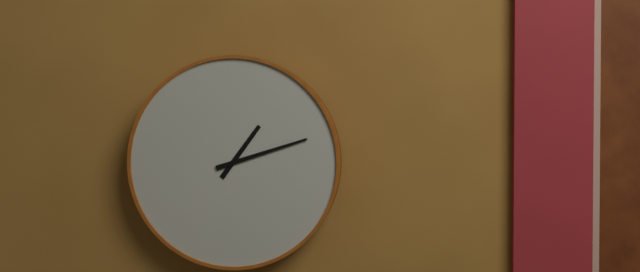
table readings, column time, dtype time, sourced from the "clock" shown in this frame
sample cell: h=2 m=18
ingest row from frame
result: h=1 m=12
